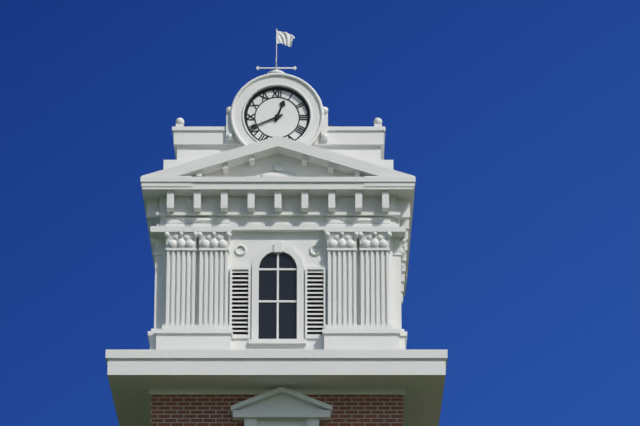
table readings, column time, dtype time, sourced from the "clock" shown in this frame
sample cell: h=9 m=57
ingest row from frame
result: h=12 m=41
